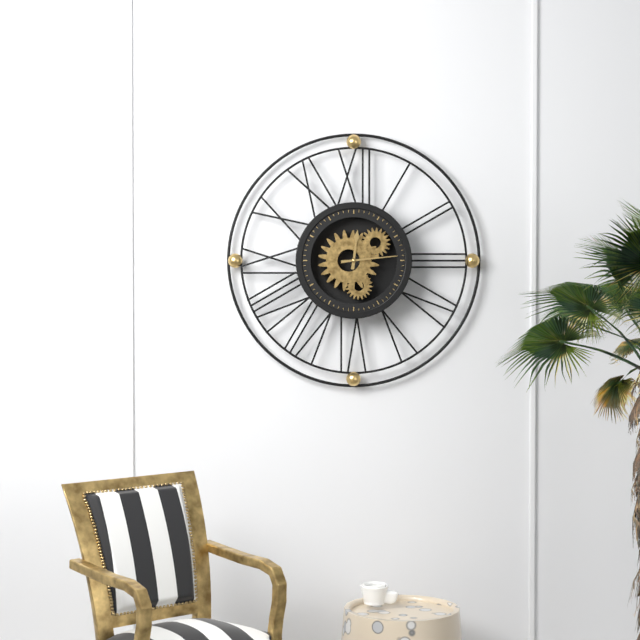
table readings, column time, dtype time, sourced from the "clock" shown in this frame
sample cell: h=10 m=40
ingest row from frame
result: h=12 m=14
